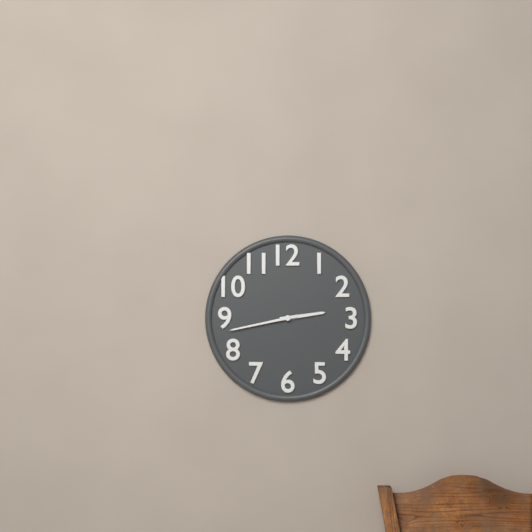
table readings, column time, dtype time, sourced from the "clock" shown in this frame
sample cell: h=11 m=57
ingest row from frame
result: h=2 m=43
